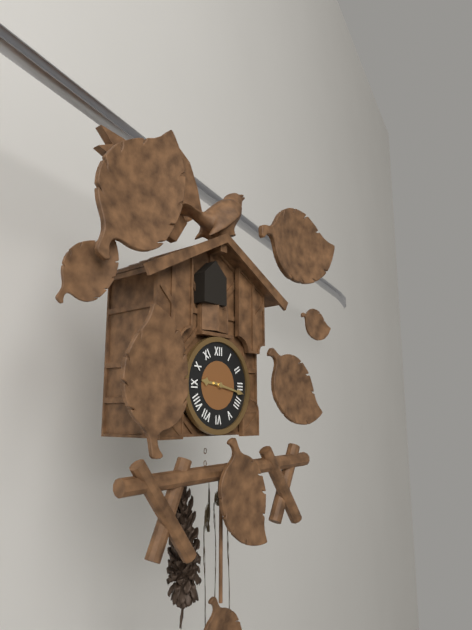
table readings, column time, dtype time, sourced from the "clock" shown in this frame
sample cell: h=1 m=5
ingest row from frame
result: h=9 m=17
